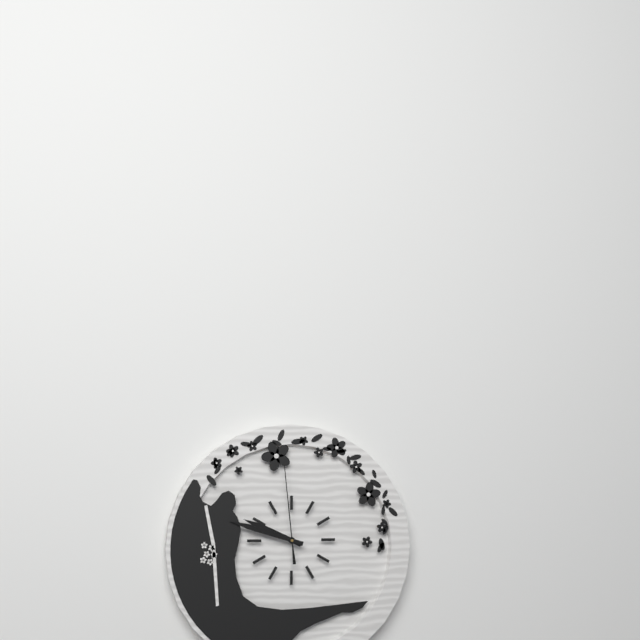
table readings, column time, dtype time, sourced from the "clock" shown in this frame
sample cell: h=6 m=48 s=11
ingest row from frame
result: h=9 m=48 s=59
